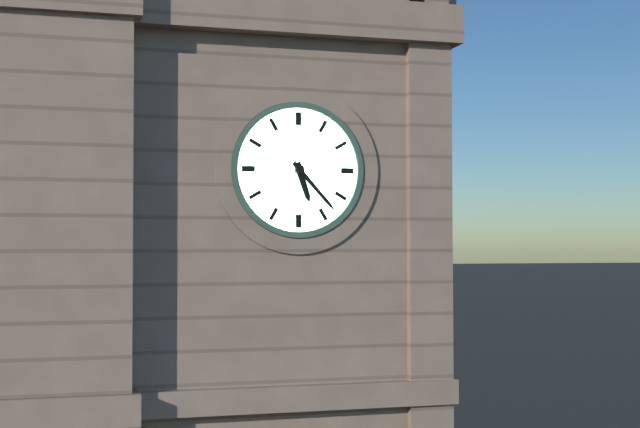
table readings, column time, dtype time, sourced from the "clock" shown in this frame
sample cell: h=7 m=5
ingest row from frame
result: h=5 m=23
